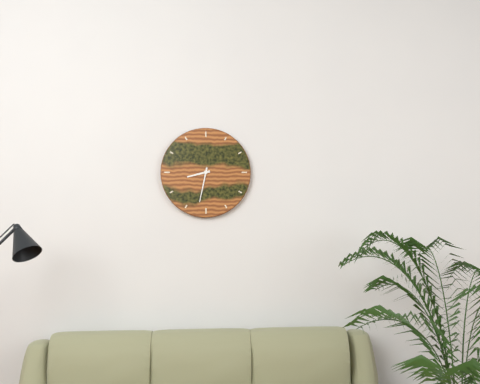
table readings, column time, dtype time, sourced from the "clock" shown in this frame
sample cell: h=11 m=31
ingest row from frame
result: h=8 m=32
